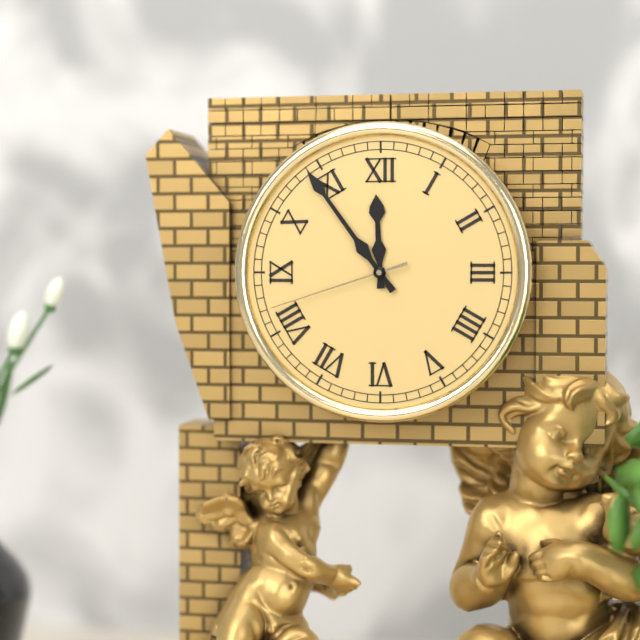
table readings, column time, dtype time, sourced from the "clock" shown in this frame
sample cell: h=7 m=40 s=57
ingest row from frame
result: h=11 m=54 s=42
